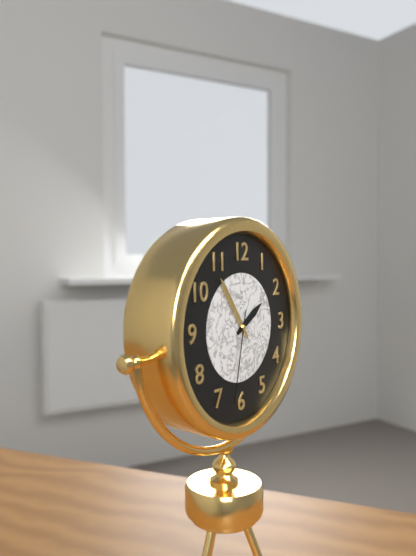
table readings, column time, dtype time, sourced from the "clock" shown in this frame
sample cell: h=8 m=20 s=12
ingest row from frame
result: h=1 m=54 s=32
